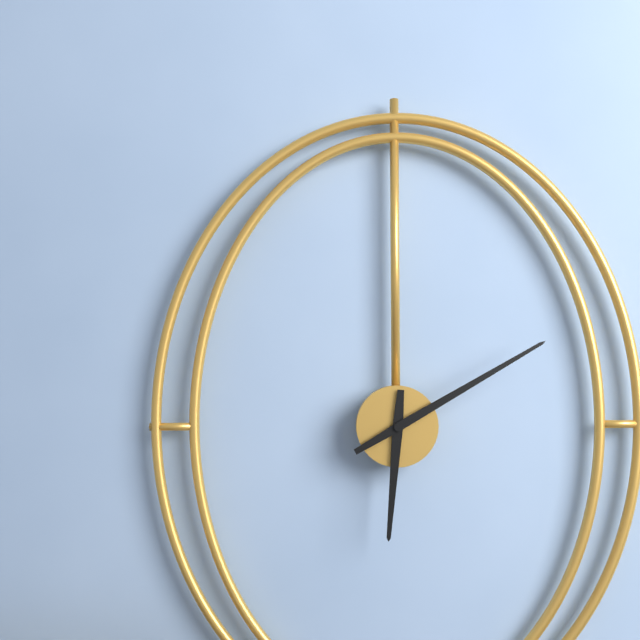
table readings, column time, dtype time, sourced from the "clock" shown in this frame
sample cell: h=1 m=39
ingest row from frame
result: h=6 m=10
